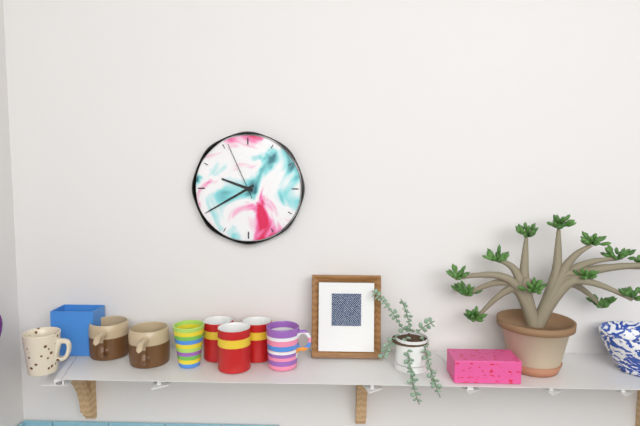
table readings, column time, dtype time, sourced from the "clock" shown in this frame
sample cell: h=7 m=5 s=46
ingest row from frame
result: h=9 m=40 s=56
